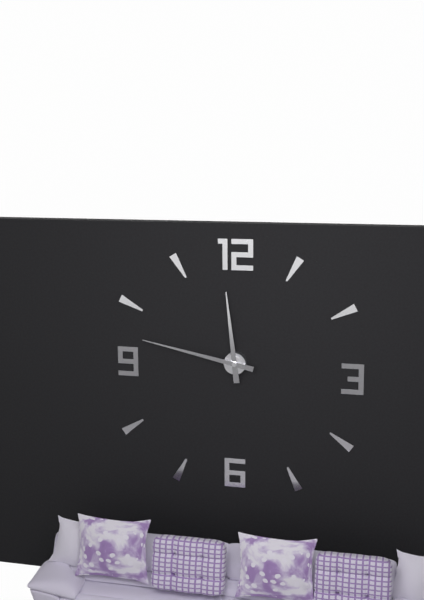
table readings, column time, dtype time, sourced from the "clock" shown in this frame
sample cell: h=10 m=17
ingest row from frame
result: h=11 m=47
